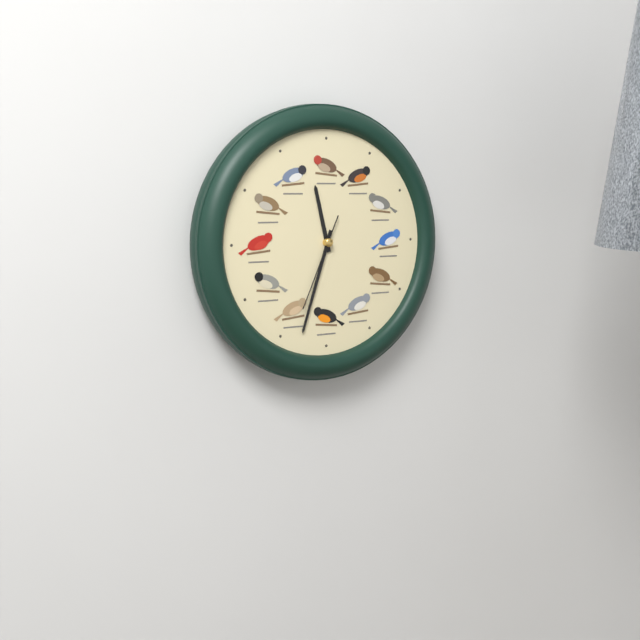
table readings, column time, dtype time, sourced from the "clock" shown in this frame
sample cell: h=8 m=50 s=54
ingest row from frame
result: h=11 m=33 s=34
